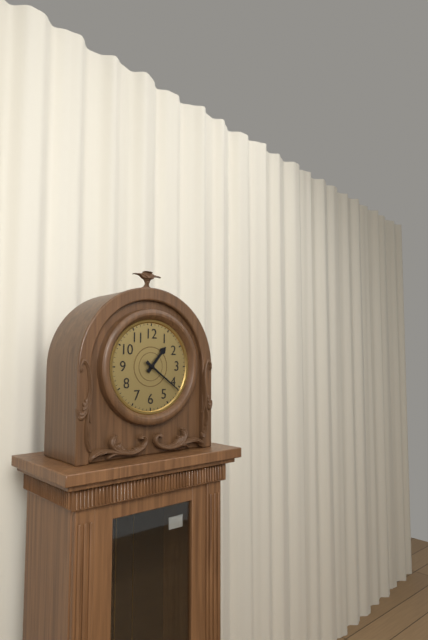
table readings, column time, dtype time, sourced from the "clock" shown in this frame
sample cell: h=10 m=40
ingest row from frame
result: h=1 m=21
